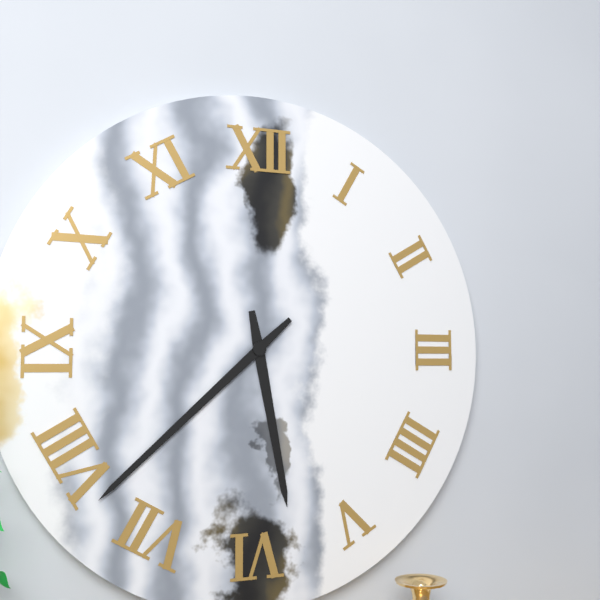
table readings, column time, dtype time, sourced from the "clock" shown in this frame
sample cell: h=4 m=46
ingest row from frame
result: h=5 m=38
